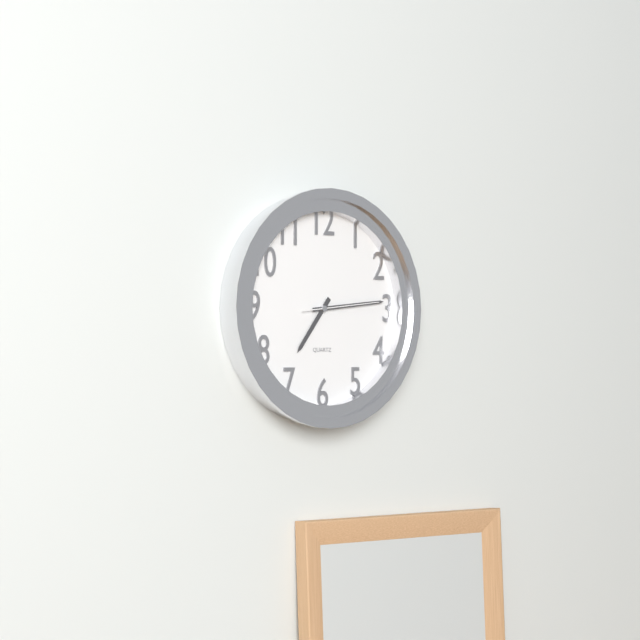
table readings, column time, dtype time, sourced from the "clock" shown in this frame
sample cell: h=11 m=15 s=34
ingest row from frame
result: h=7 m=14 s=14
